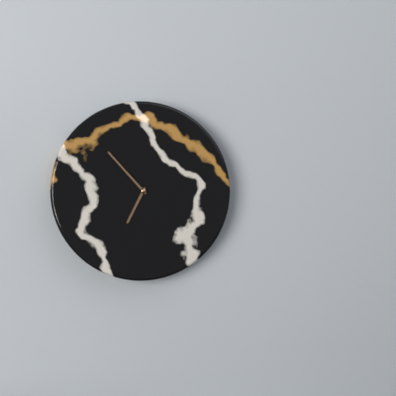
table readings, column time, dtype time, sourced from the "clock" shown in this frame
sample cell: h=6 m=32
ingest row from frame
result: h=6 m=53
